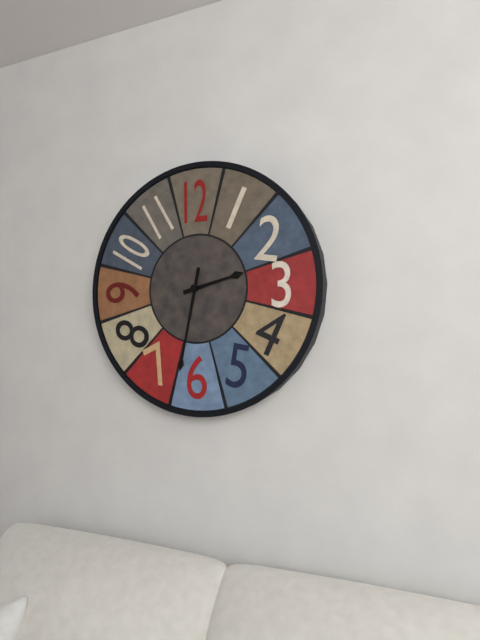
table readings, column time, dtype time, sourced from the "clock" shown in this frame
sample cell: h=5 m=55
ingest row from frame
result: h=2 m=32
